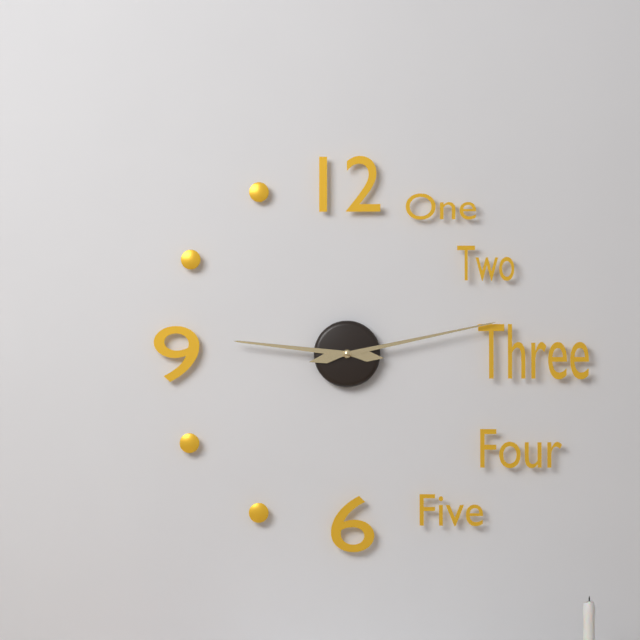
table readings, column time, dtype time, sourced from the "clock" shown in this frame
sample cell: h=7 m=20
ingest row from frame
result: h=9 m=13
